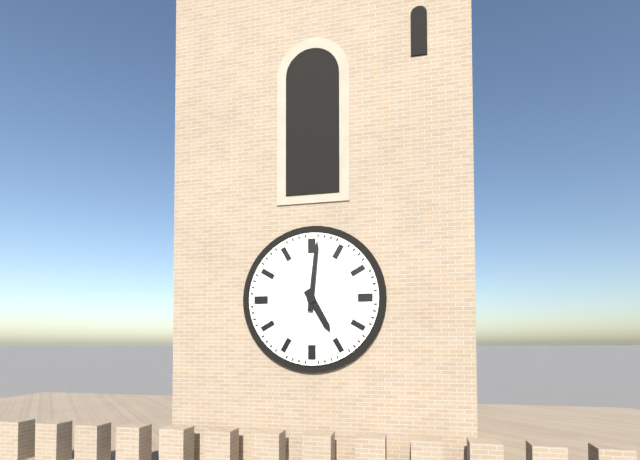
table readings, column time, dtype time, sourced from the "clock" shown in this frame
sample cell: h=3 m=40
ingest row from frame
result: h=5 m=1
